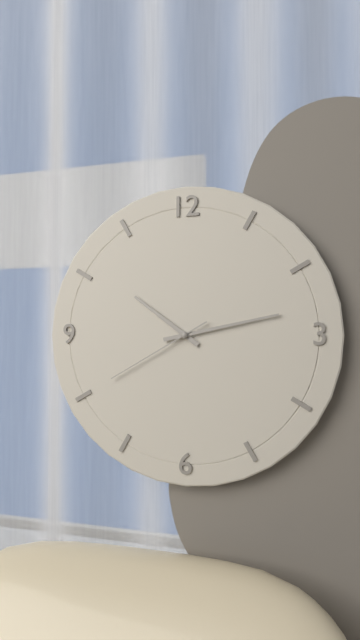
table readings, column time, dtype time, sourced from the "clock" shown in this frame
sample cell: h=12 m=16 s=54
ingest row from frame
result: h=10 m=13 s=40
